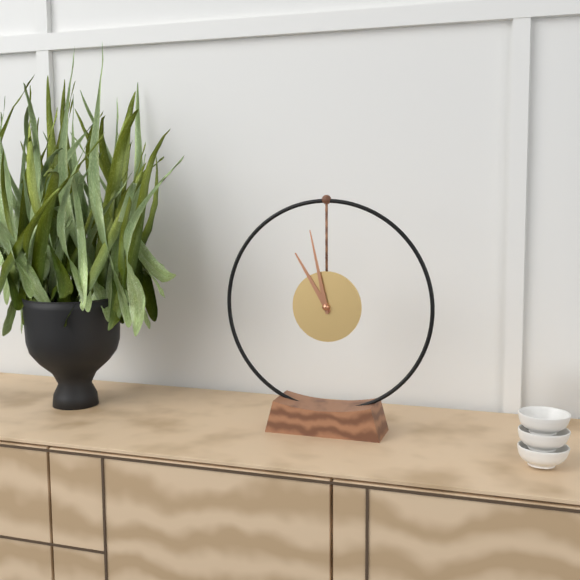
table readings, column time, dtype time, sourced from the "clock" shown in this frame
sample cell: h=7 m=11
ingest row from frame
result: h=10 m=58
